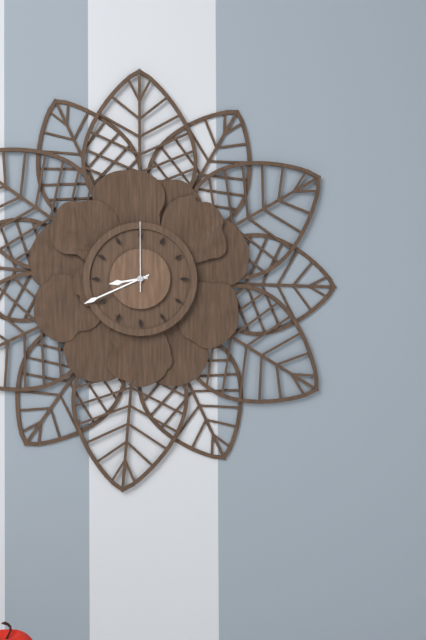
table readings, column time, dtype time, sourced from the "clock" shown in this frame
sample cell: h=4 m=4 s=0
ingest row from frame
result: h=8 m=41 s=0
